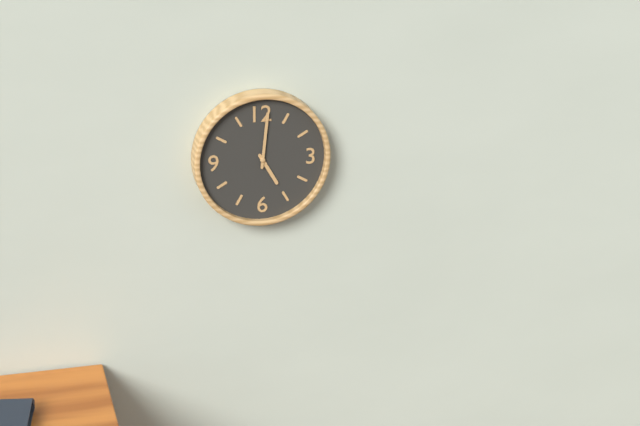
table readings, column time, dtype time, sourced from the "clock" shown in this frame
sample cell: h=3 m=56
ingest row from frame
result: h=5 m=1
